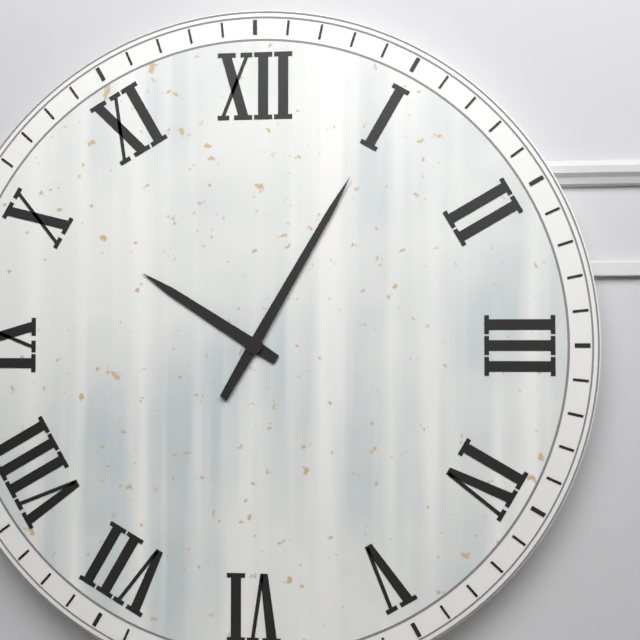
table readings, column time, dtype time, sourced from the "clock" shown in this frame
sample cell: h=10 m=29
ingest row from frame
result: h=10 m=5
